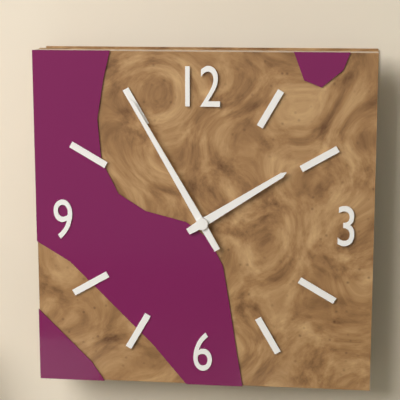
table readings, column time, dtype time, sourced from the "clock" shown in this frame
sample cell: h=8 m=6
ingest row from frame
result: h=1 m=55
